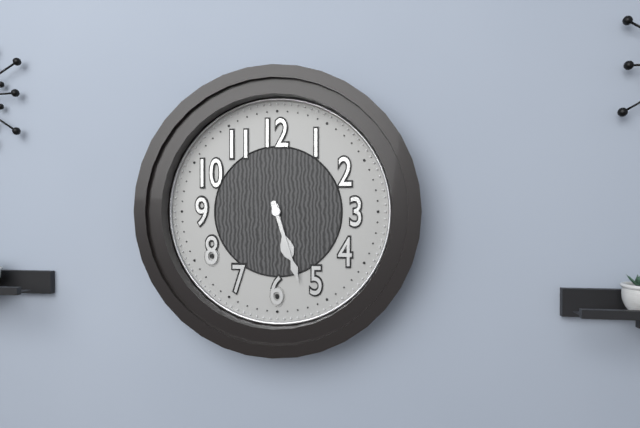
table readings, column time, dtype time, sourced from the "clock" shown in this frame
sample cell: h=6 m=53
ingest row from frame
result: h=5 m=27
